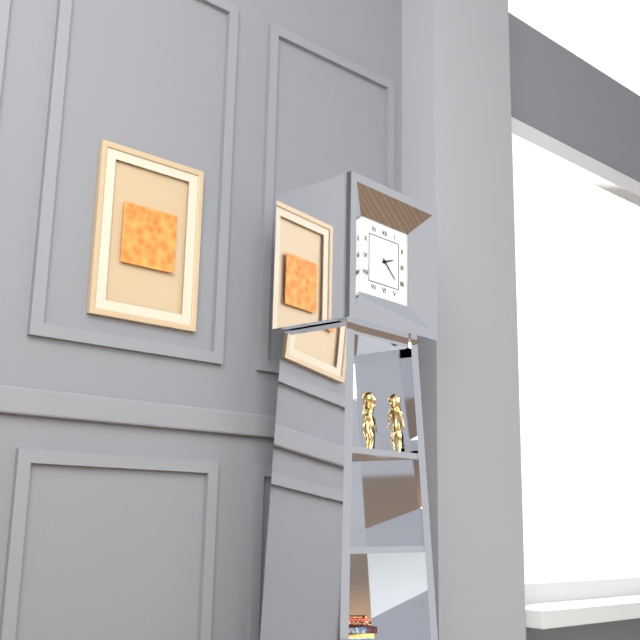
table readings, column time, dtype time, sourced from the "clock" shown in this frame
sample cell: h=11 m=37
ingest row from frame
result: h=2 m=22
